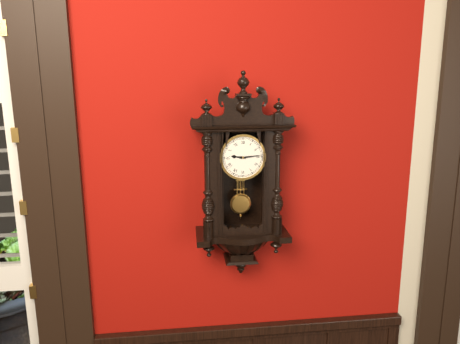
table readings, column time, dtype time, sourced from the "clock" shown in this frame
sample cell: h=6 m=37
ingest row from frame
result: h=9 m=14
